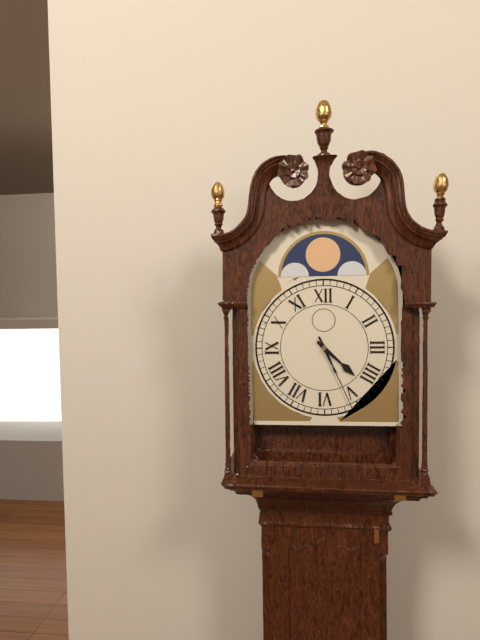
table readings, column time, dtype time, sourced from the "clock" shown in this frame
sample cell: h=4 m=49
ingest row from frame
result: h=4 m=26
